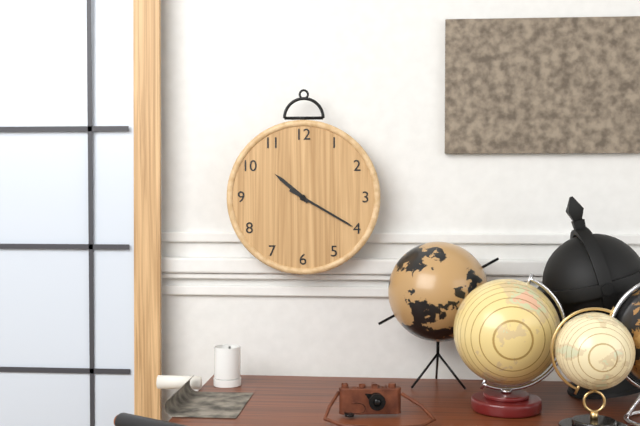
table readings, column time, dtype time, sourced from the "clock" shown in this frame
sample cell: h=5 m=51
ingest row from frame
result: h=10 m=20
